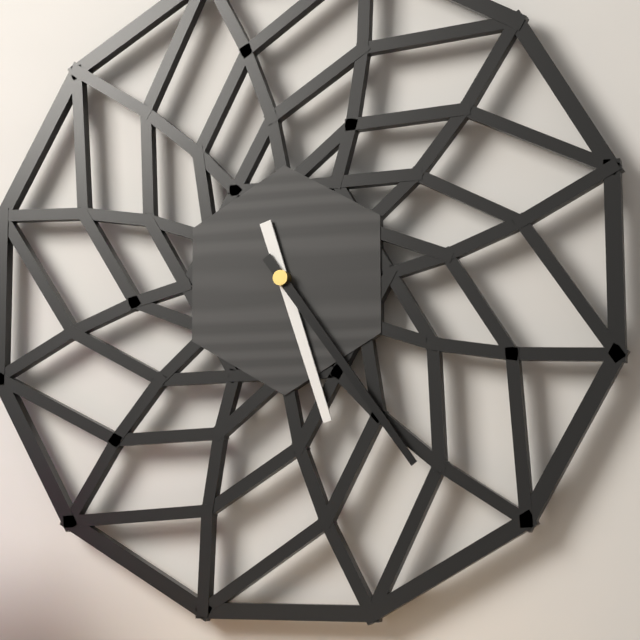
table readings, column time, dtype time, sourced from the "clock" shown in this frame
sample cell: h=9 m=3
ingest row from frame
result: h=5 m=24
